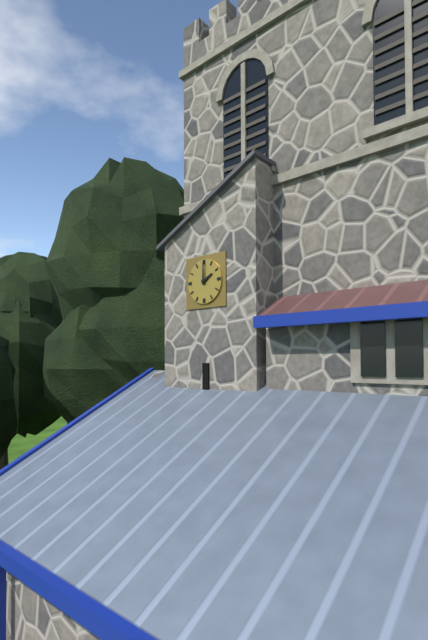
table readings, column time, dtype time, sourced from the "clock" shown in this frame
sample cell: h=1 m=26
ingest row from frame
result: h=2 m=0
